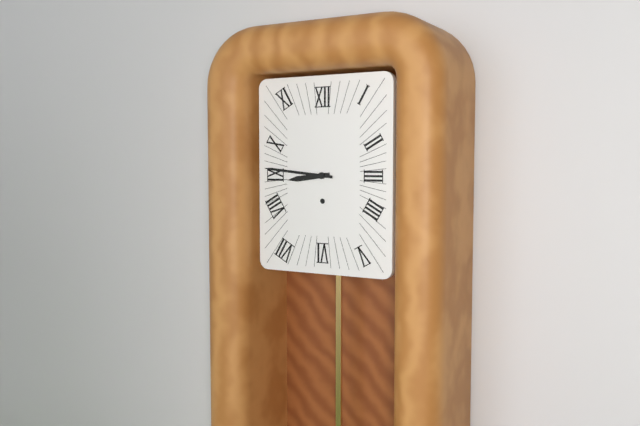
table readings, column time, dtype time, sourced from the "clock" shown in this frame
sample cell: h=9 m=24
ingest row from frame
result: h=8 m=46
